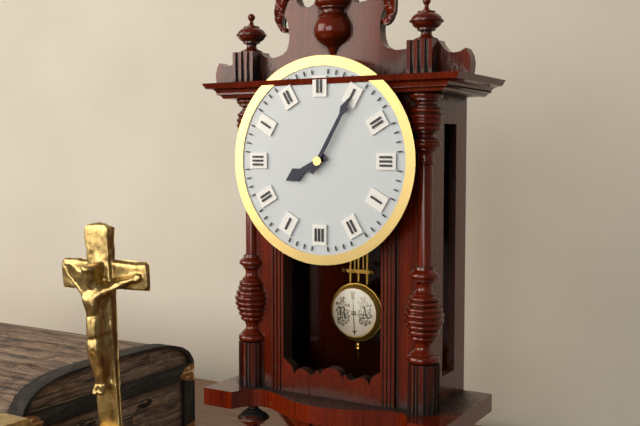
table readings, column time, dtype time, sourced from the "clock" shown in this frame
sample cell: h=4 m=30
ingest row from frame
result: h=8 m=5
